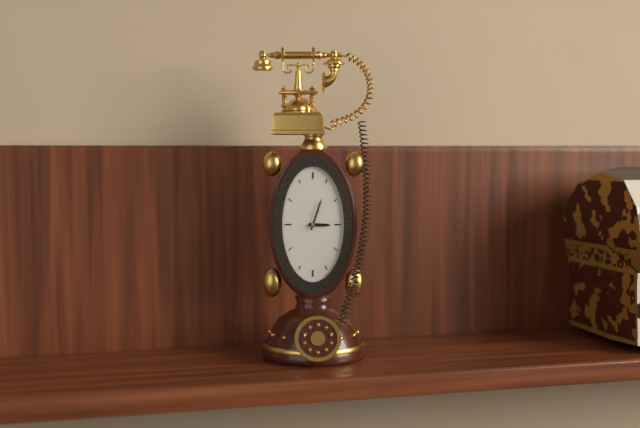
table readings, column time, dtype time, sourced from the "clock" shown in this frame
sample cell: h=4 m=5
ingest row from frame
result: h=3 m=3
